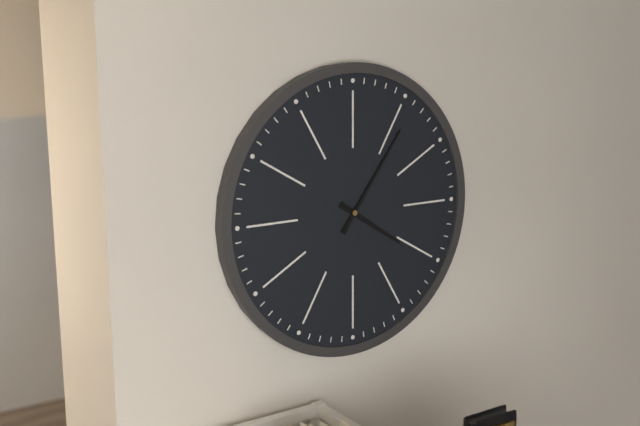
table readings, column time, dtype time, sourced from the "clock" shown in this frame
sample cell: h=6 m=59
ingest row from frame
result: h=4 m=6
